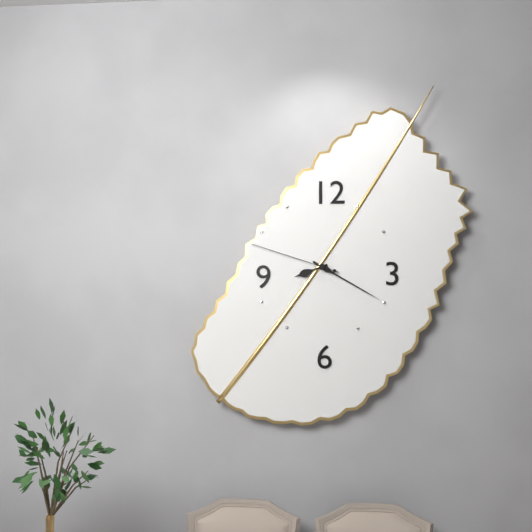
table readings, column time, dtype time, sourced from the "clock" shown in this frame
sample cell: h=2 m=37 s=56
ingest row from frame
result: h=8 m=20 s=48
